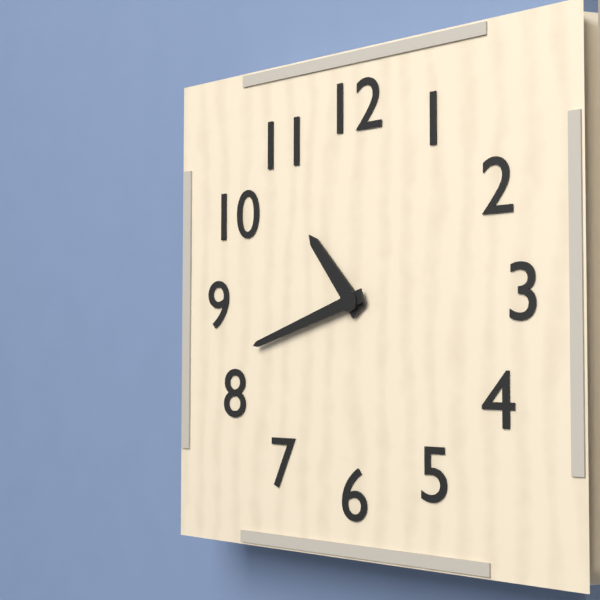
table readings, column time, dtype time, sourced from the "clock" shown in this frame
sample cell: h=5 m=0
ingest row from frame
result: h=10 m=42
